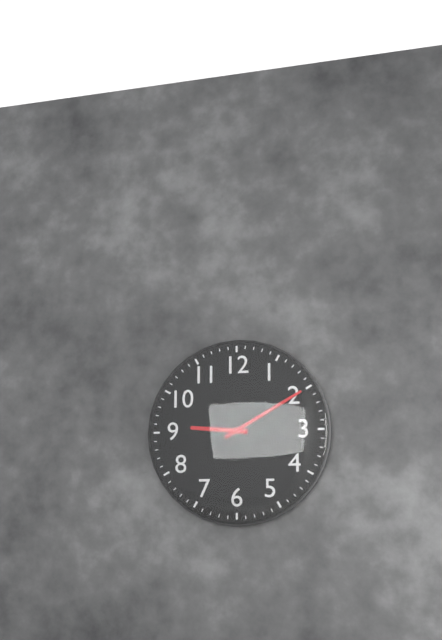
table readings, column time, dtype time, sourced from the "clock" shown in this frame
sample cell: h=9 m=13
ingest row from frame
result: h=9 m=10
